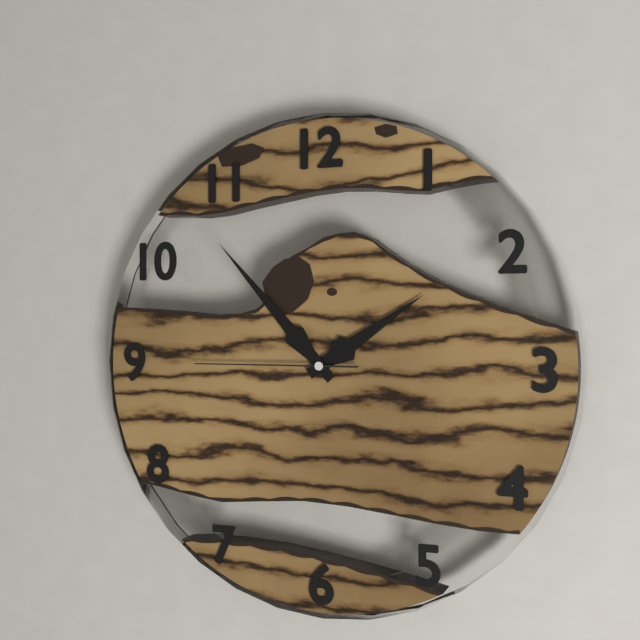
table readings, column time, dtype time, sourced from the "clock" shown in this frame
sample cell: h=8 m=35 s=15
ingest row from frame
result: h=1 m=53 s=45
